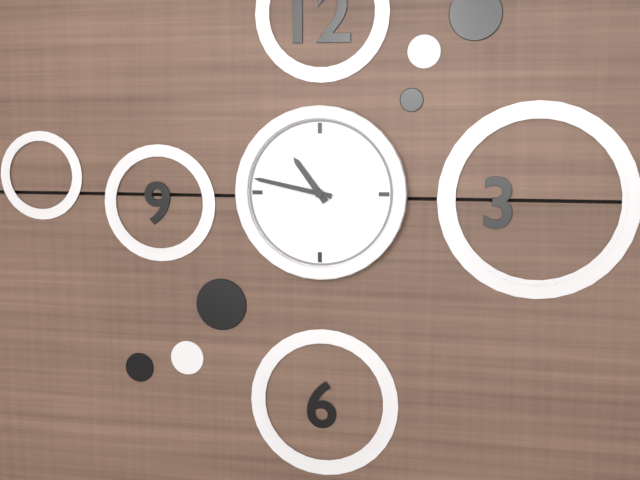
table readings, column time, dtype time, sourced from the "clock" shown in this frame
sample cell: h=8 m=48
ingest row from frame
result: h=10 m=47
